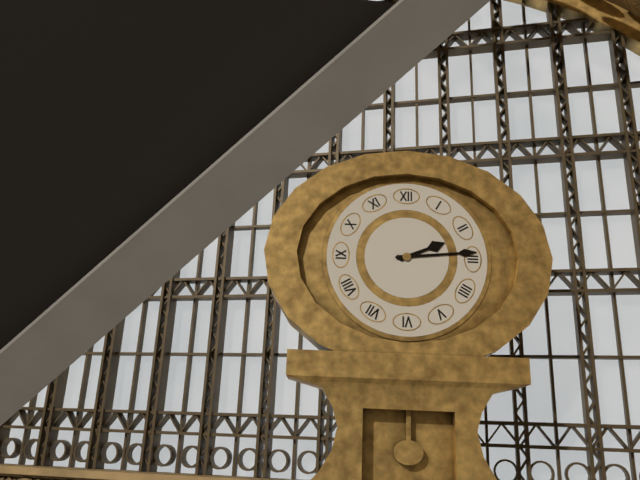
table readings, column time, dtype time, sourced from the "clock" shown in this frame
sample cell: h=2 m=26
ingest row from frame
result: h=2 m=14
